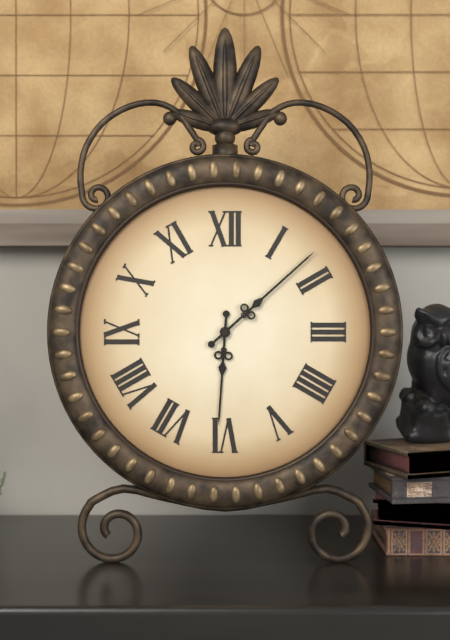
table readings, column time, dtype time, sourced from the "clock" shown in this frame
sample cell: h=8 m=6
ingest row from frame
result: h=6 m=8
